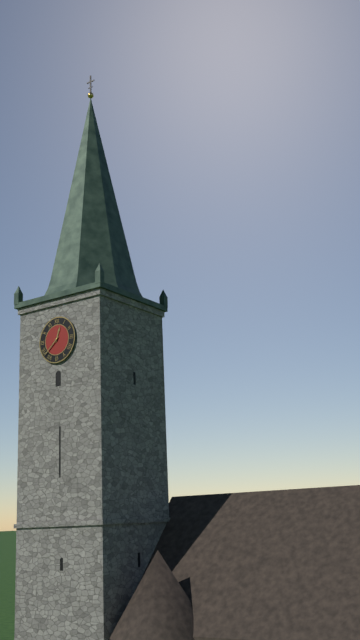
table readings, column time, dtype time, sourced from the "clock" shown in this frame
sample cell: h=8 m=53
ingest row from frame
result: h=12 m=38
